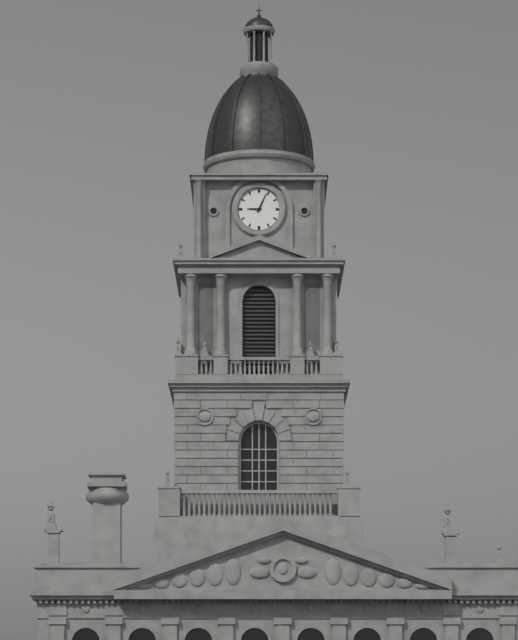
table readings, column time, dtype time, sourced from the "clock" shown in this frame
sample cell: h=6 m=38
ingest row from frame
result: h=9 m=4
